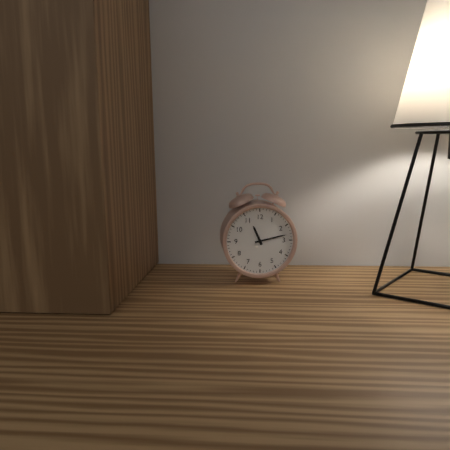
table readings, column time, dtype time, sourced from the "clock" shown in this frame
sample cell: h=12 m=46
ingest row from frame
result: h=11 m=13
